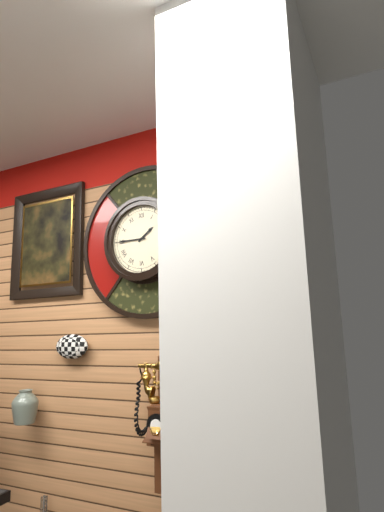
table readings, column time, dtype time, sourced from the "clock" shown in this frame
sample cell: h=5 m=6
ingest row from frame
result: h=1 m=45
